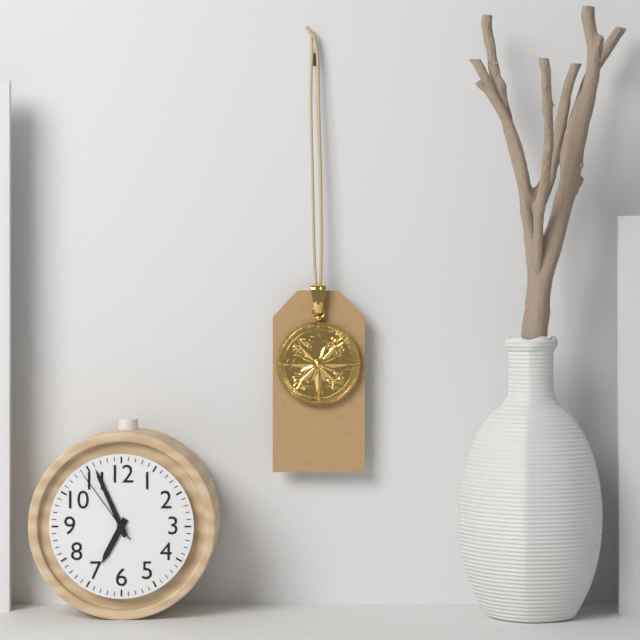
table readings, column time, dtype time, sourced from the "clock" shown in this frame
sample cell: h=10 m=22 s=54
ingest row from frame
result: h=6 m=56 s=54
